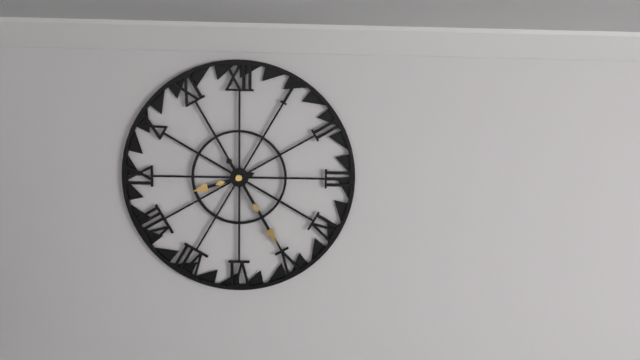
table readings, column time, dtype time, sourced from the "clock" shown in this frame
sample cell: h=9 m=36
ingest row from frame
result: h=8 m=25
